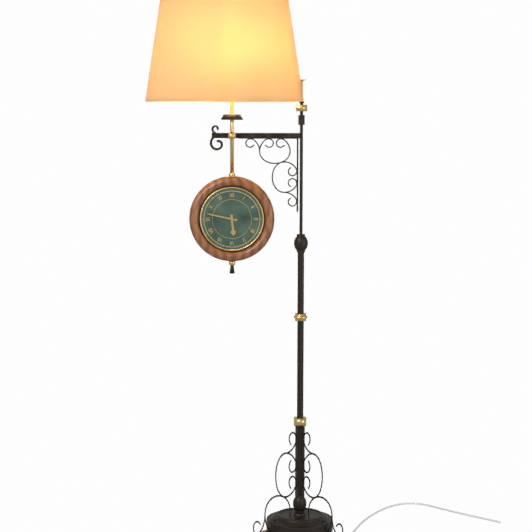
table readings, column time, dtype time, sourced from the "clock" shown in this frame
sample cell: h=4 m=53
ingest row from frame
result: h=5 m=47
